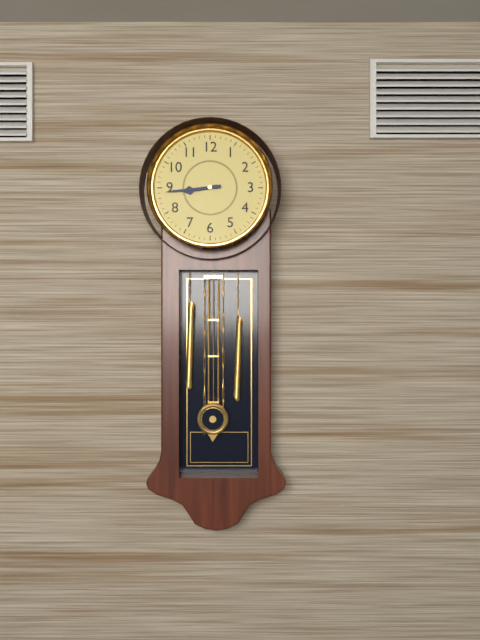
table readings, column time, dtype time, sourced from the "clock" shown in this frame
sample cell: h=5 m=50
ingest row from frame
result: h=8 m=44
